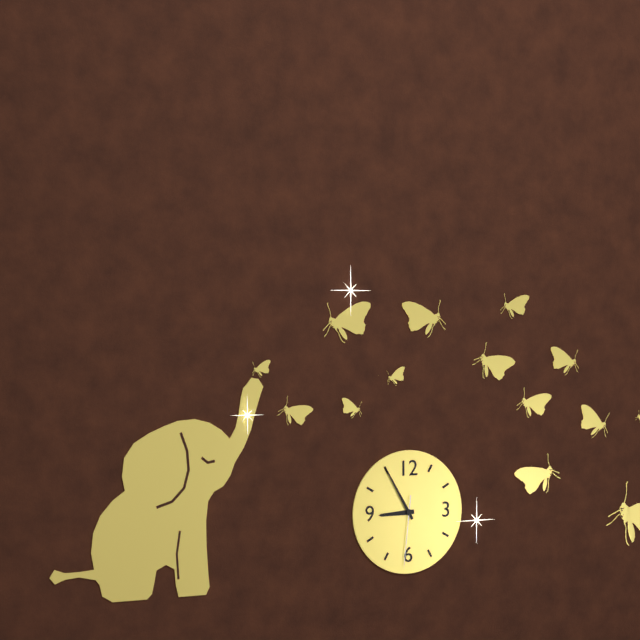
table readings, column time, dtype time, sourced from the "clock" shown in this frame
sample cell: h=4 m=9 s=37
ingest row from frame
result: h=8 m=55 s=31
